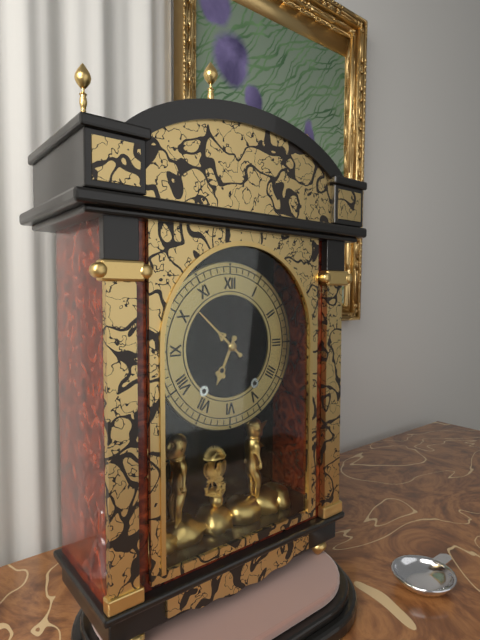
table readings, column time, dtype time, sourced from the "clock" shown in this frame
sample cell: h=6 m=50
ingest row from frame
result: h=6 m=52
